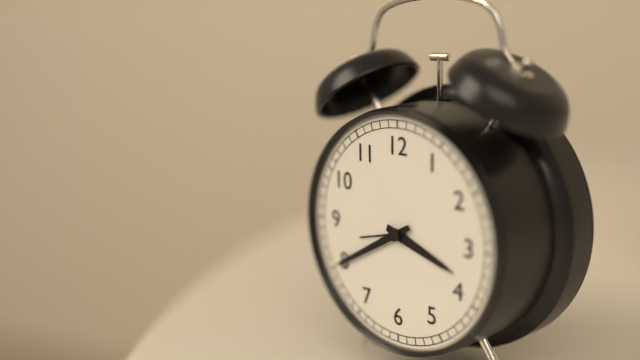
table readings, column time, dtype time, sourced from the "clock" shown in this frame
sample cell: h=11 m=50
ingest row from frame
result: h=3 m=40
